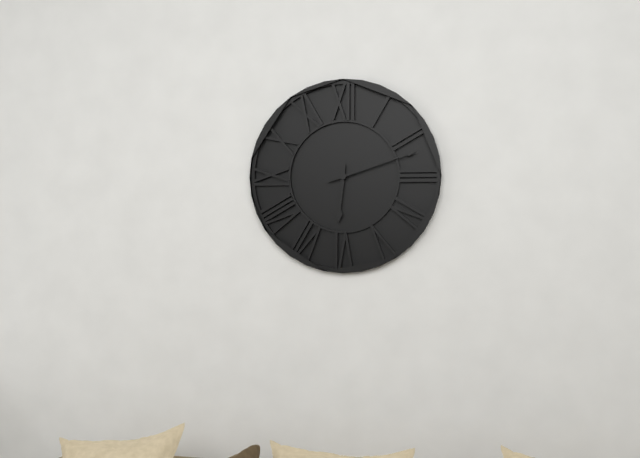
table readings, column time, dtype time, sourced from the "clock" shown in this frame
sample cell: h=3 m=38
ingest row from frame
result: h=6 m=12
